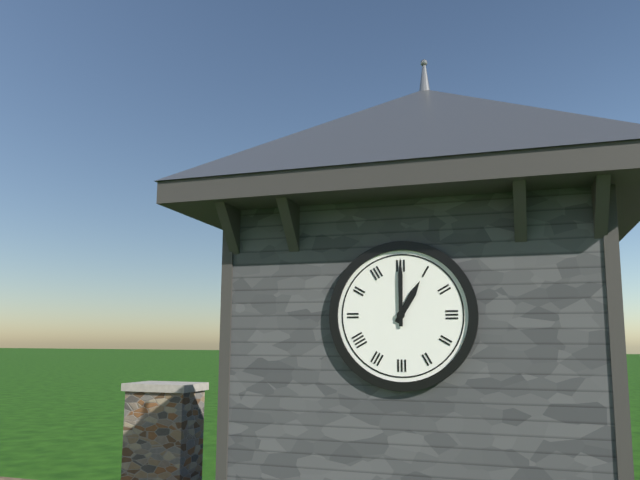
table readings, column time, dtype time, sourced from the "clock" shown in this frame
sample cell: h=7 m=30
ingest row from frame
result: h=1 m=0
